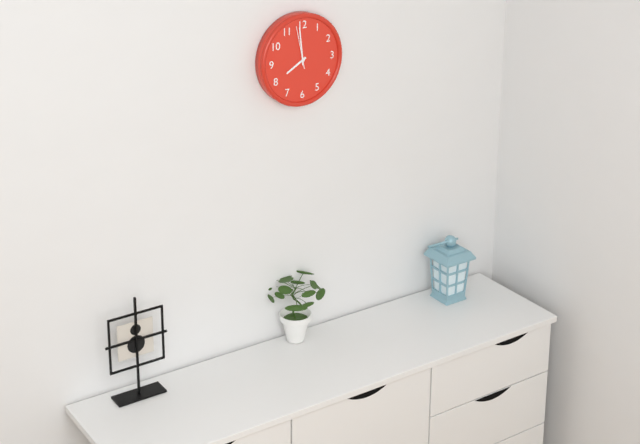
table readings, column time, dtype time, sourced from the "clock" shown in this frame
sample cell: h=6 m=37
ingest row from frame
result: h=7 m=59
